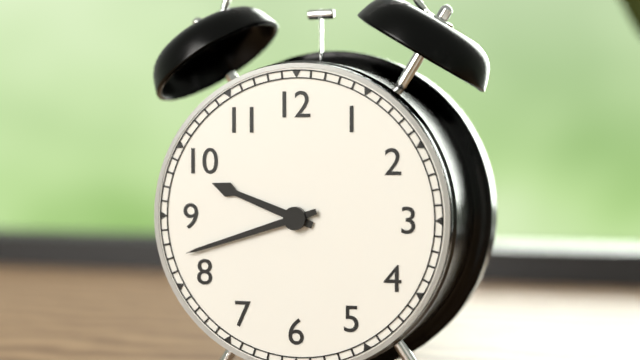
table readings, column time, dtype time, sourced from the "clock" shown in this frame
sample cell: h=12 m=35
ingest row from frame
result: h=9 m=42
